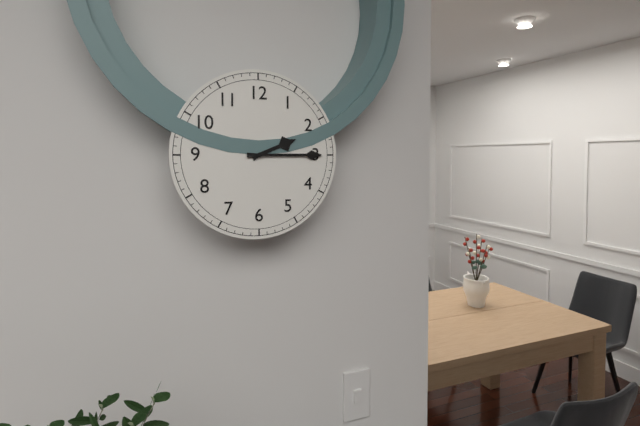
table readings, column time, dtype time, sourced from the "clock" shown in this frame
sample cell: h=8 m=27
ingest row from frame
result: h=2 m=15
